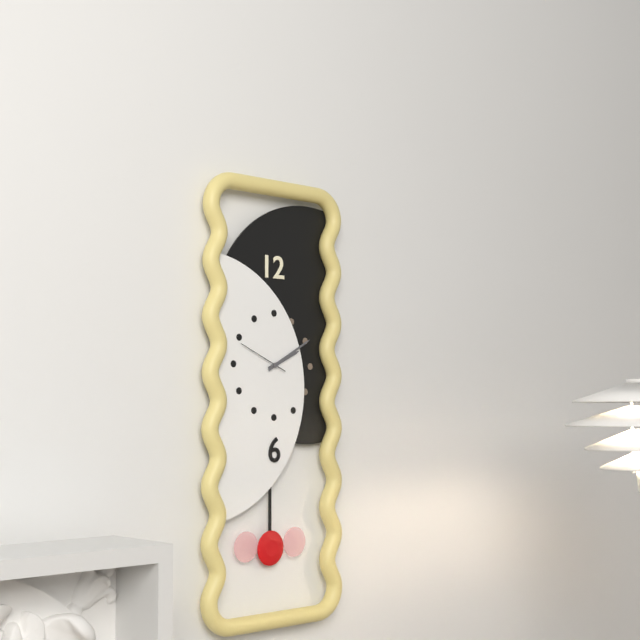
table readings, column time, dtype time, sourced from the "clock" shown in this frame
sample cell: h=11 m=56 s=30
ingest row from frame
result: h=2 m=10 s=49
